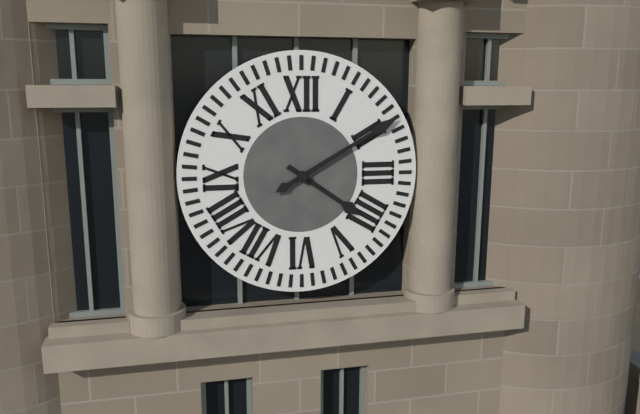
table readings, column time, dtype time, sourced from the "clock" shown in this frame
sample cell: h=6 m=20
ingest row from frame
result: h=4 m=10
